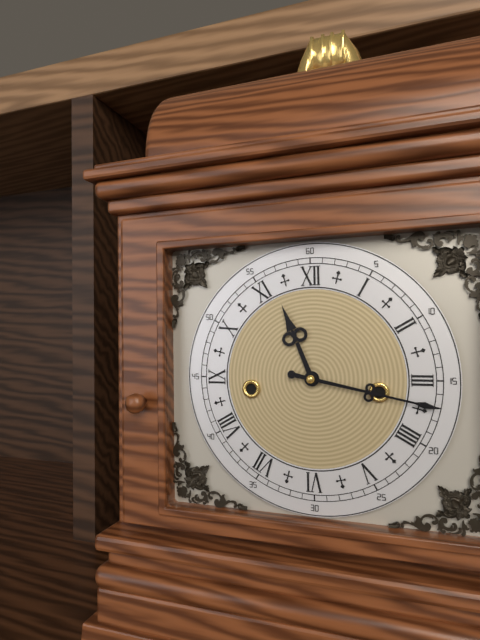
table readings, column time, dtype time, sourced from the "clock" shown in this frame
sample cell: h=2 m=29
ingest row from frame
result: h=11 m=17
